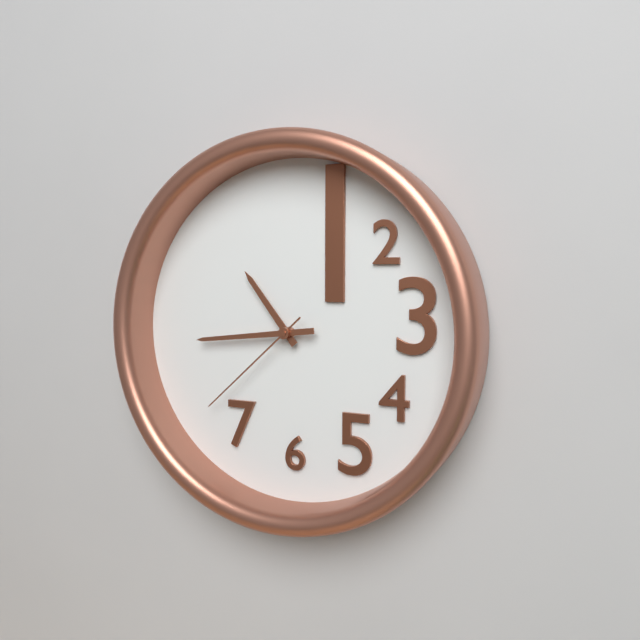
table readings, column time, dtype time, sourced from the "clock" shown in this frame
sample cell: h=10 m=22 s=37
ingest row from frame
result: h=10 m=44 s=38
